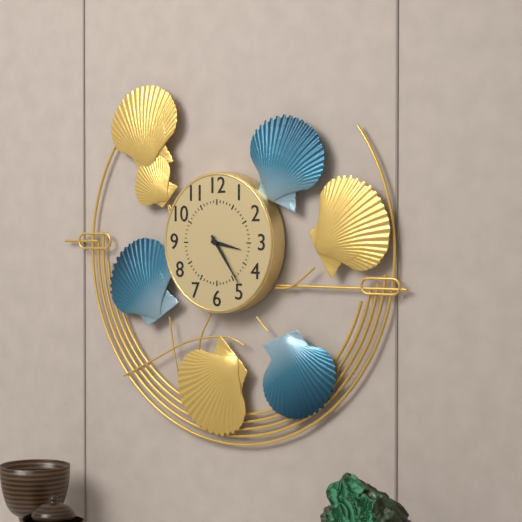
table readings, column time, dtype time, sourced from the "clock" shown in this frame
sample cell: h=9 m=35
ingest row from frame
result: h=3 m=24
